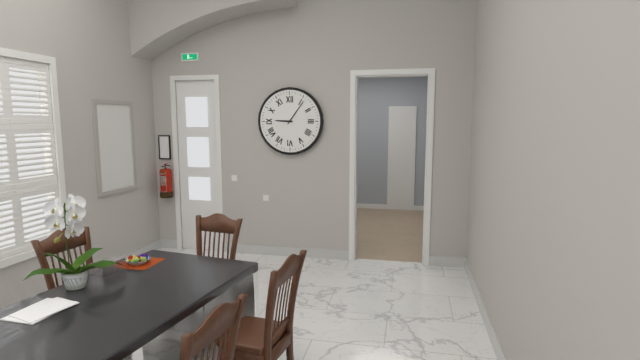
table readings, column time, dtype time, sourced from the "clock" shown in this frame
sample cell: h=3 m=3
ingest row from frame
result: h=9 m=6
